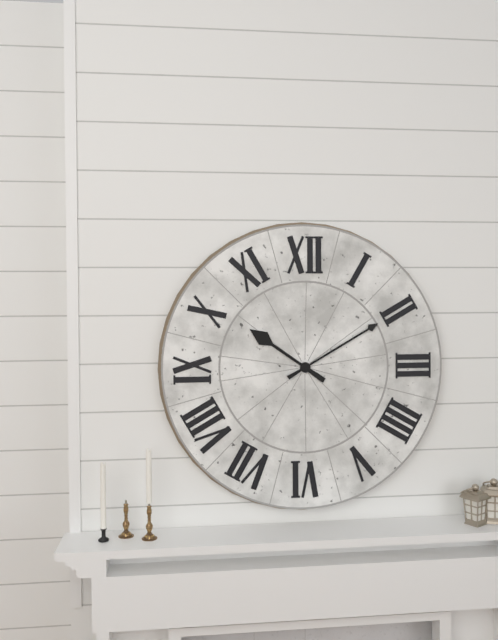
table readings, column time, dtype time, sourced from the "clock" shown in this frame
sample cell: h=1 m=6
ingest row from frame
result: h=10 m=10
